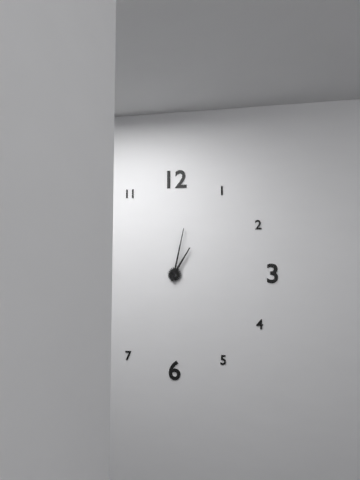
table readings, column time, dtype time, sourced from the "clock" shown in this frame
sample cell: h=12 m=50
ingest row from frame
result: h=1 m=2
